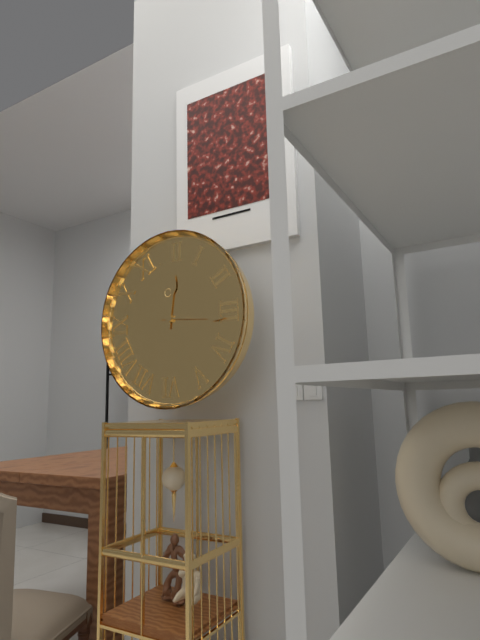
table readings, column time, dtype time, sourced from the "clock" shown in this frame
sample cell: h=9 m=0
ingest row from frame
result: h=12 m=16
